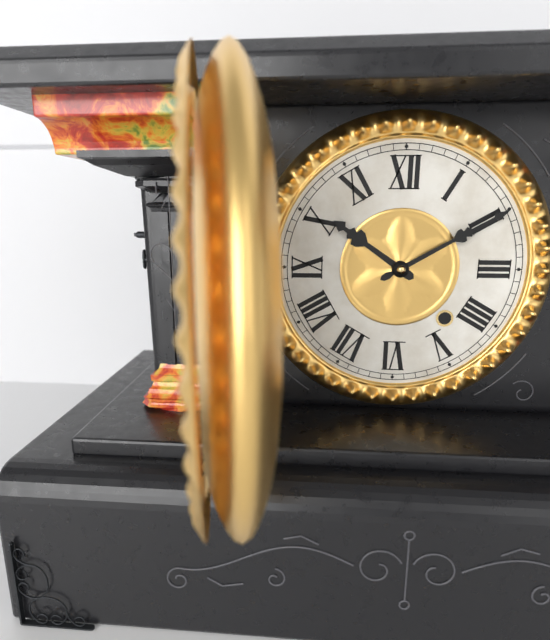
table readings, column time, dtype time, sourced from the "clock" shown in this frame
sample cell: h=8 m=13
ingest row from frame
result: h=10 m=10
